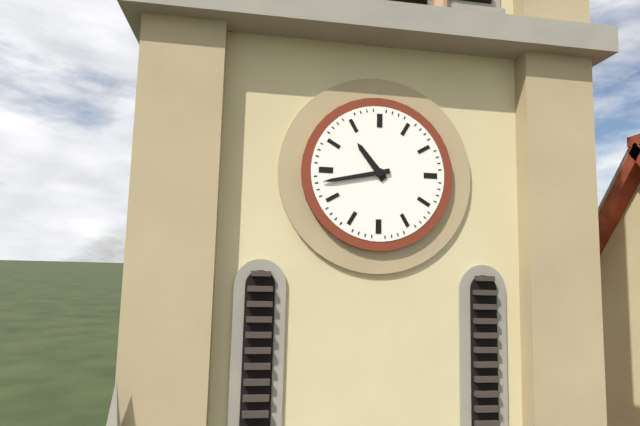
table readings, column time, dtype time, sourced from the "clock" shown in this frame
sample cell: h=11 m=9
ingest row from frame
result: h=10 m=43
